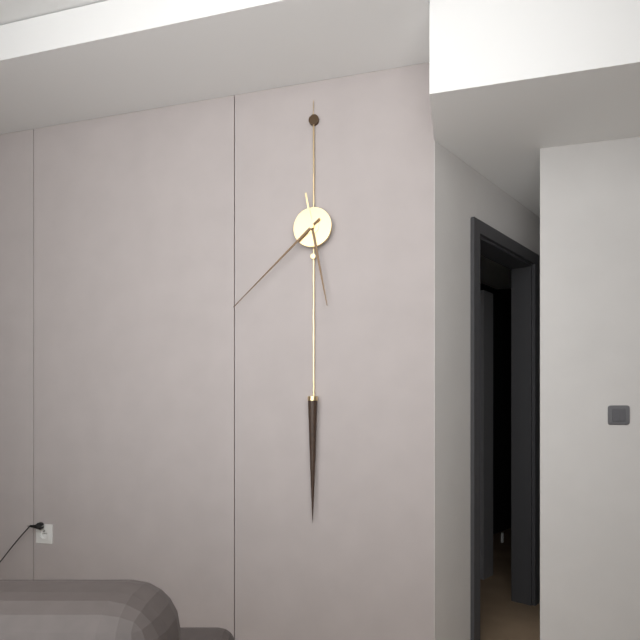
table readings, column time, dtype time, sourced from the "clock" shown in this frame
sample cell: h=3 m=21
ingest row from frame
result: h=5 m=38
